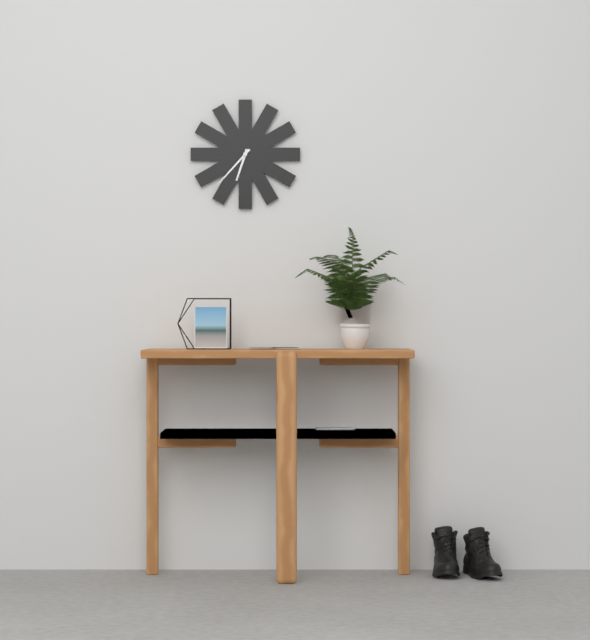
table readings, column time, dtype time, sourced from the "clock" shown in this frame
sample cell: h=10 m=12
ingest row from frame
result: h=6 m=37
